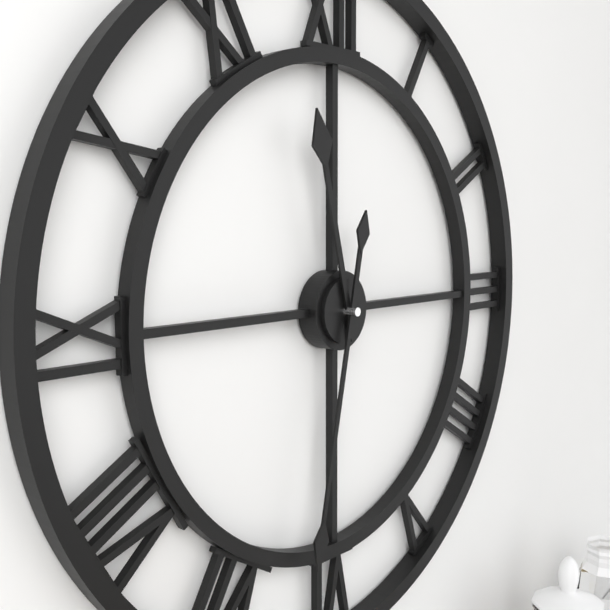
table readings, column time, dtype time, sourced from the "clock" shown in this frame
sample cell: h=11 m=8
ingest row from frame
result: h=11 m=32
